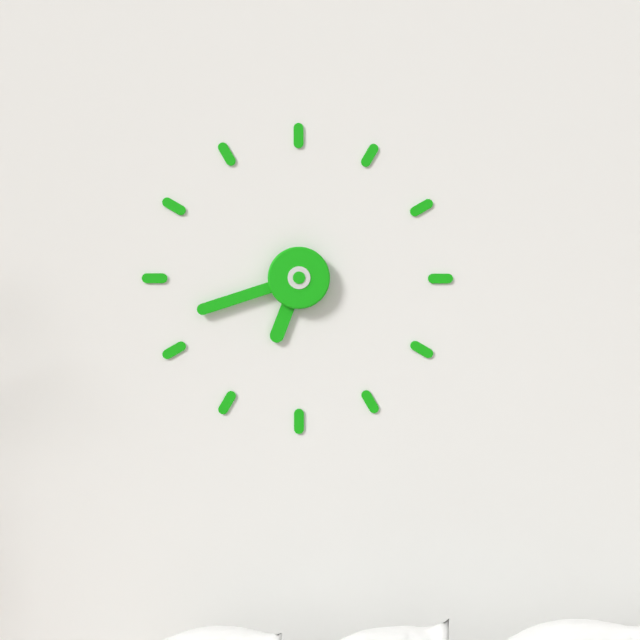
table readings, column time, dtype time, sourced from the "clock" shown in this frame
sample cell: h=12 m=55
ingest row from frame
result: h=6 m=42
